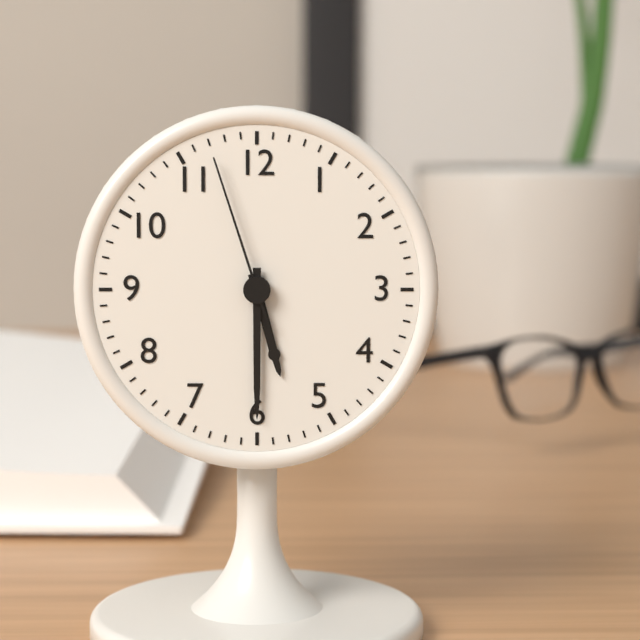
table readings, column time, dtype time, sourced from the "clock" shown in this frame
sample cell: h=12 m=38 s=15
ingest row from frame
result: h=5 m=30 s=57
